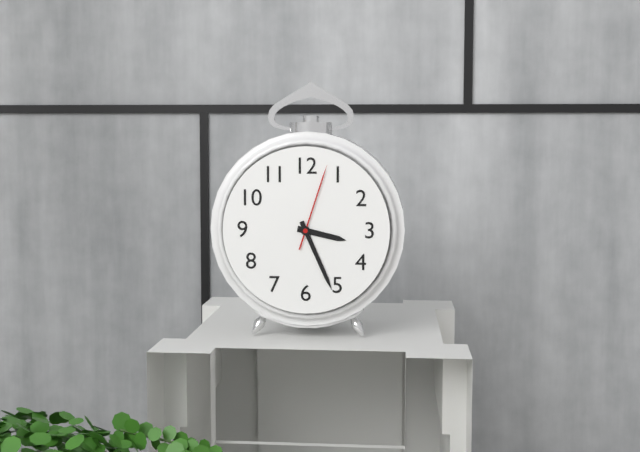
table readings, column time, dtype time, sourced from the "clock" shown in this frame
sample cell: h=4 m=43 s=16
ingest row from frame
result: h=3 m=26 s=3
